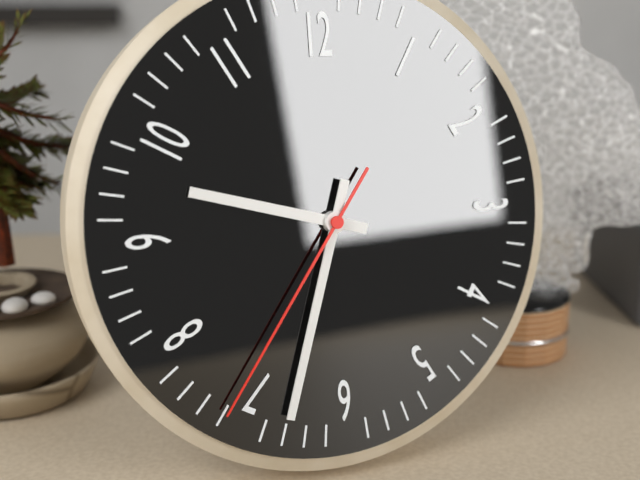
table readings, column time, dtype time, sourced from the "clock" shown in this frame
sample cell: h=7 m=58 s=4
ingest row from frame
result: h=9 m=33 s=36
